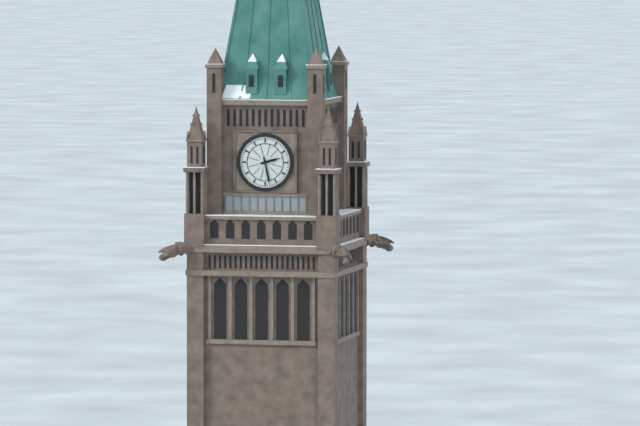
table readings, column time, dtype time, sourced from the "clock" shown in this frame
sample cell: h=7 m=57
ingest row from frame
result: h=2 m=28
